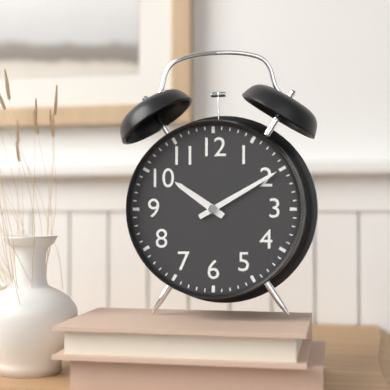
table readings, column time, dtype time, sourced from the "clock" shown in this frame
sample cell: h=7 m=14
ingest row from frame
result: h=10 m=10
